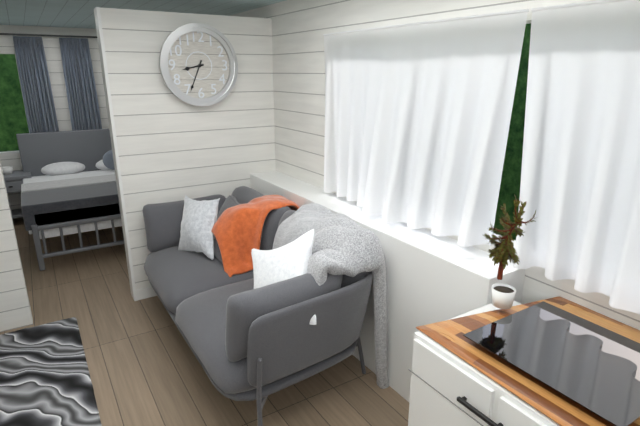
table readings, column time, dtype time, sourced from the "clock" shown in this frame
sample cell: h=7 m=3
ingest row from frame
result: h=8 m=34
